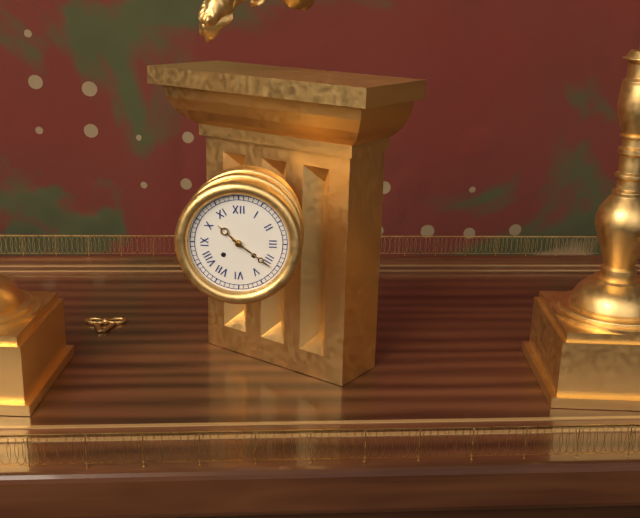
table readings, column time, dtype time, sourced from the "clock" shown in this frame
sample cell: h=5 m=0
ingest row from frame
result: h=10 m=21
